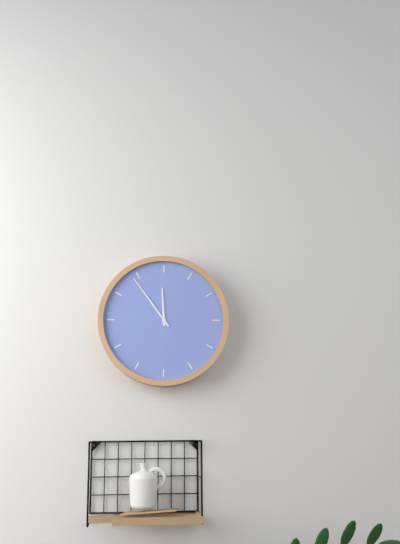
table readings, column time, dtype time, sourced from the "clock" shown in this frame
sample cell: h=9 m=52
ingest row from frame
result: h=11 m=54
